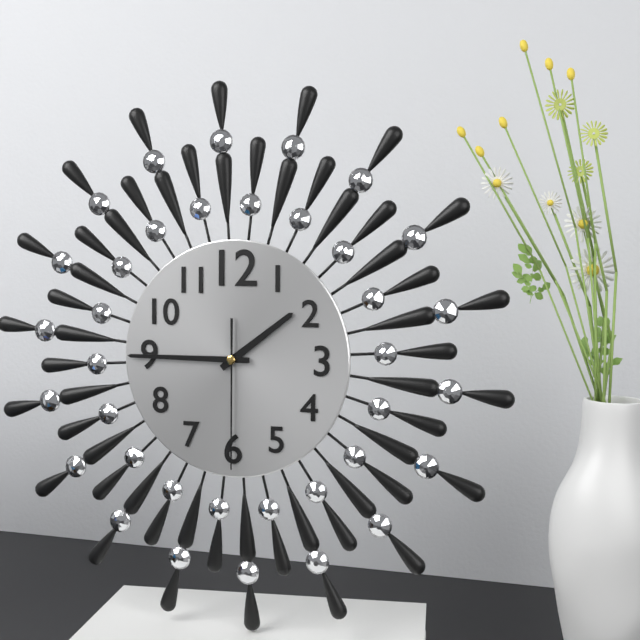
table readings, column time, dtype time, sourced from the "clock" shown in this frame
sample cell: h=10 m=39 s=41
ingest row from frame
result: h=1 m=45 s=30
